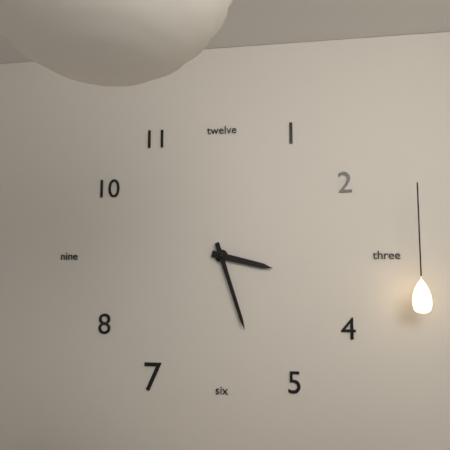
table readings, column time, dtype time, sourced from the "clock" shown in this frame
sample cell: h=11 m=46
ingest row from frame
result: h=3 m=27
